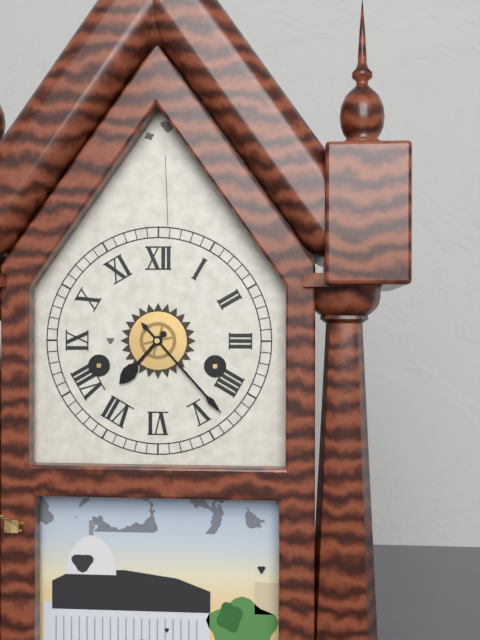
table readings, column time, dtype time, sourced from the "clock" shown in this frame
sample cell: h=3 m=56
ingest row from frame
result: h=7 m=23
